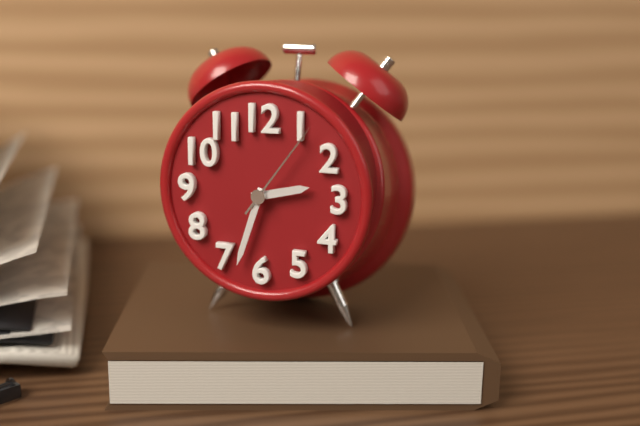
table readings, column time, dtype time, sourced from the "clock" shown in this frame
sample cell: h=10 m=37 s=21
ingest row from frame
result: h=2 m=33 s=6
